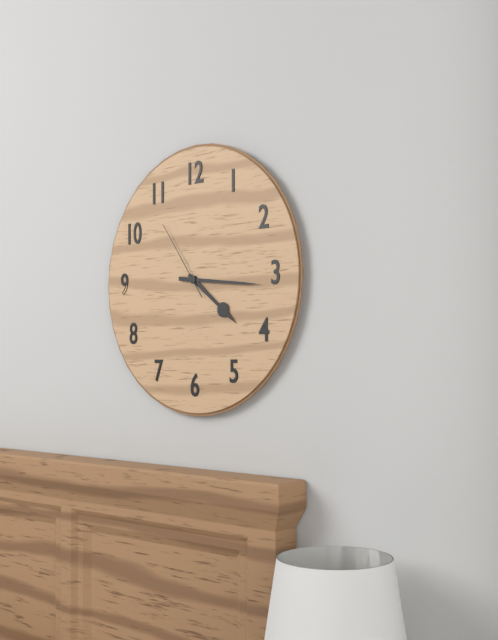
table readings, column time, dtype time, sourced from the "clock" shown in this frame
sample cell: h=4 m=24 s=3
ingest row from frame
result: h=4 m=16 s=54
